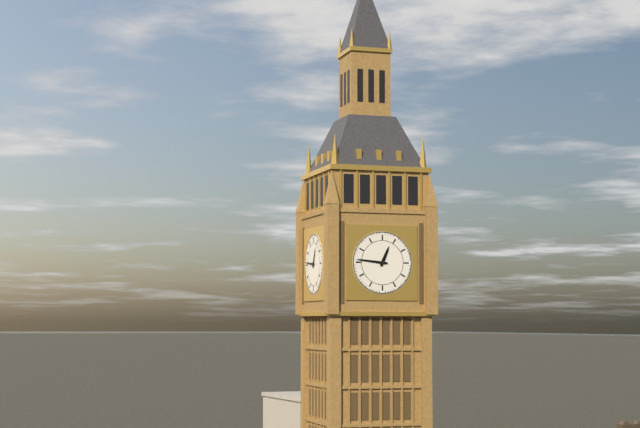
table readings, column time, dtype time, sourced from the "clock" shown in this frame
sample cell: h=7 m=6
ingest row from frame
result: h=12 m=46
